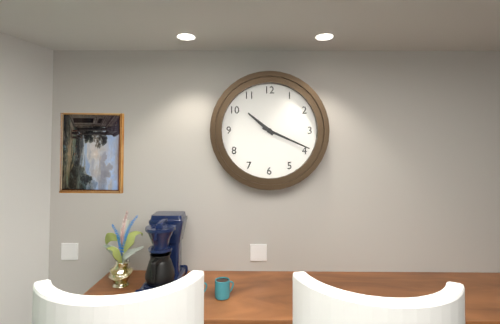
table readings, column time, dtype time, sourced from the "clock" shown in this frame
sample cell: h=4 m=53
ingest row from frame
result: h=10 m=19
